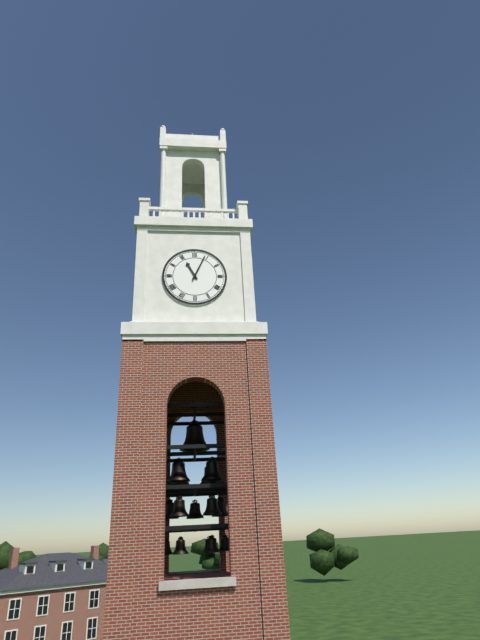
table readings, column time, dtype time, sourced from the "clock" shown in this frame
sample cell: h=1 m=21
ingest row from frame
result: h=11 m=4
